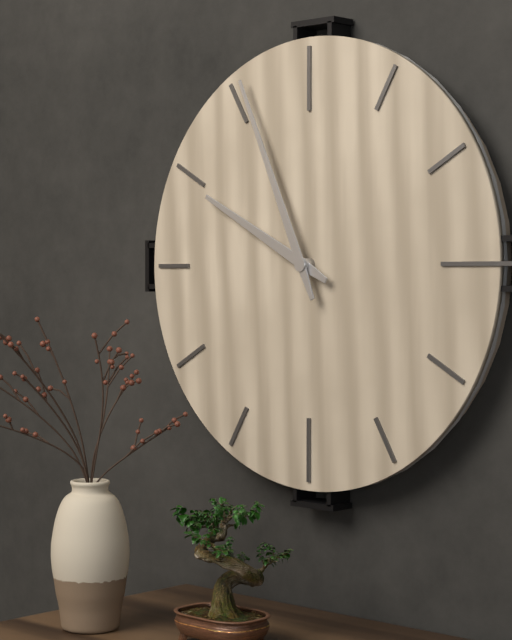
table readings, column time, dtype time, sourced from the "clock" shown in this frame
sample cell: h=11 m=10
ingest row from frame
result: h=9 m=56
